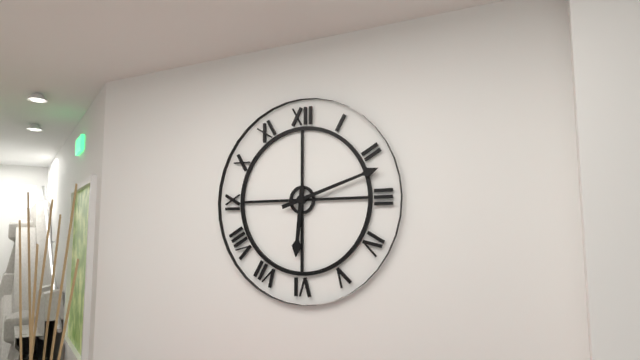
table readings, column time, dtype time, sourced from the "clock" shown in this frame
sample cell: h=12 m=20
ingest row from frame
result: h=6 m=12
